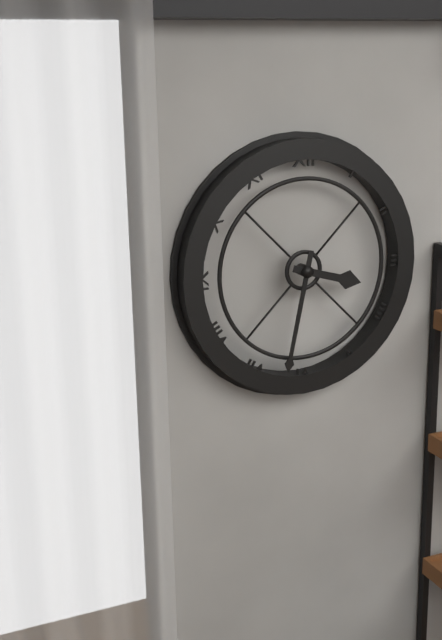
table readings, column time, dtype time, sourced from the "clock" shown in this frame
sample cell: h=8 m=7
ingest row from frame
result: h=3 m=32
